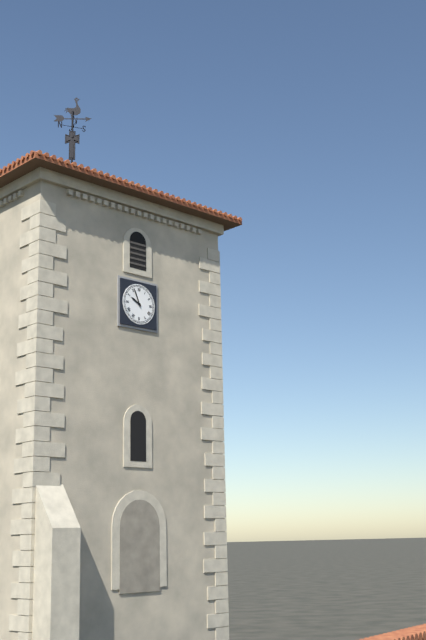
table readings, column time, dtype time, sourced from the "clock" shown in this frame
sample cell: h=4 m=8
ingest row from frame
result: h=9 m=56
